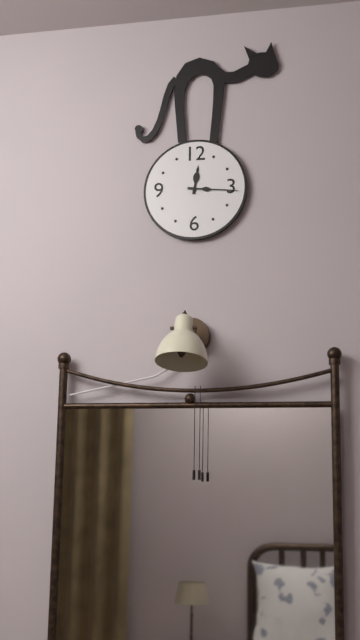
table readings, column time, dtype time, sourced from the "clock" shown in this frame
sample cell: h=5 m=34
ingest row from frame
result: h=12 m=16
